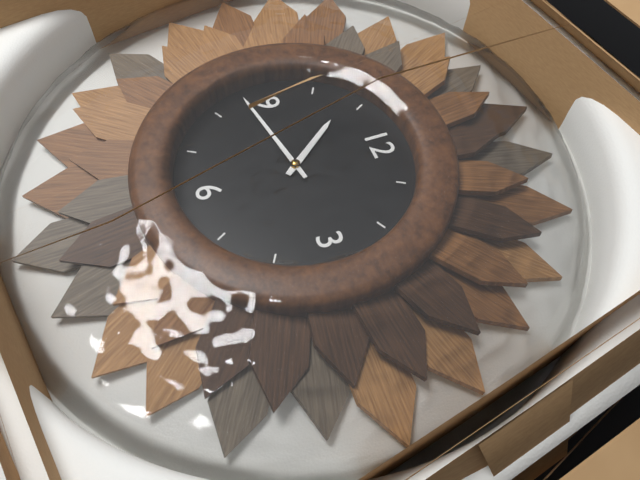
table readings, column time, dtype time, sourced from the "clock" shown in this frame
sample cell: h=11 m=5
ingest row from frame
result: h=10 m=43
